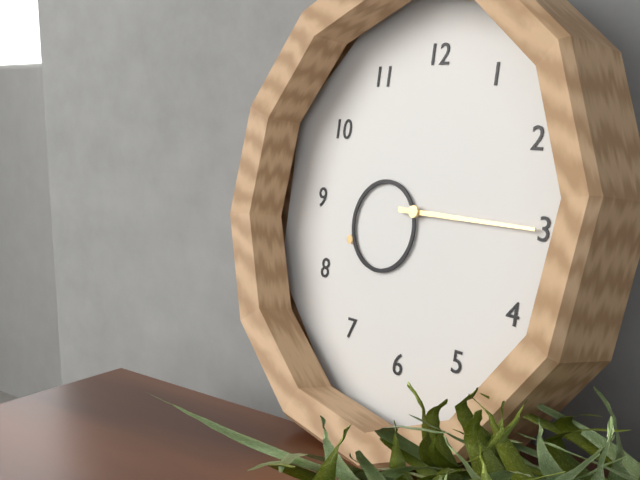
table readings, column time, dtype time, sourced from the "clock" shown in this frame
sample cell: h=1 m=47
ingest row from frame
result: h=8 m=15
